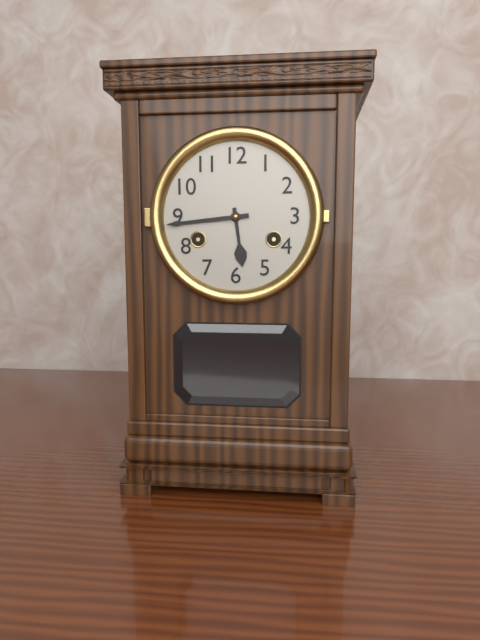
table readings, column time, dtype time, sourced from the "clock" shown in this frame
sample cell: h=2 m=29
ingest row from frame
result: h=5 m=44
